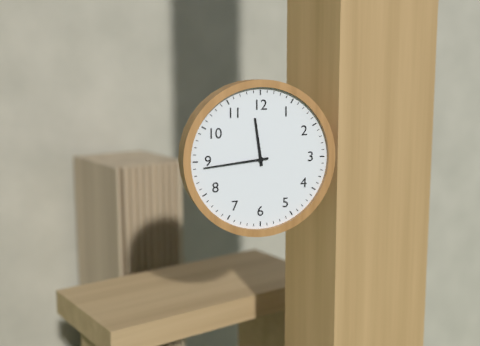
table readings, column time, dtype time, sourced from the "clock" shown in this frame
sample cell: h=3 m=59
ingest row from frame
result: h=11 m=44
